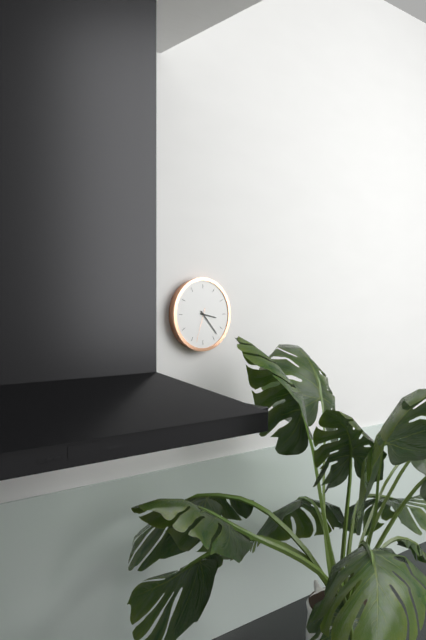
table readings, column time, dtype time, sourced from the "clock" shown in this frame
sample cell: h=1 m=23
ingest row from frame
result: h=3 m=23
